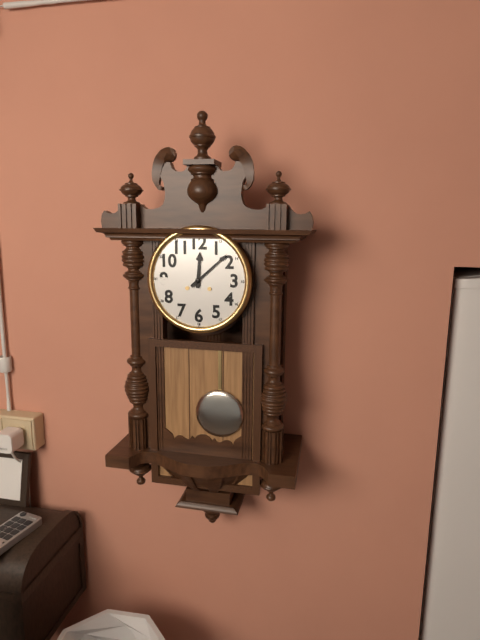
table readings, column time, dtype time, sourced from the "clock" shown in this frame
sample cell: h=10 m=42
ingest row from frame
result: h=12 m=8
